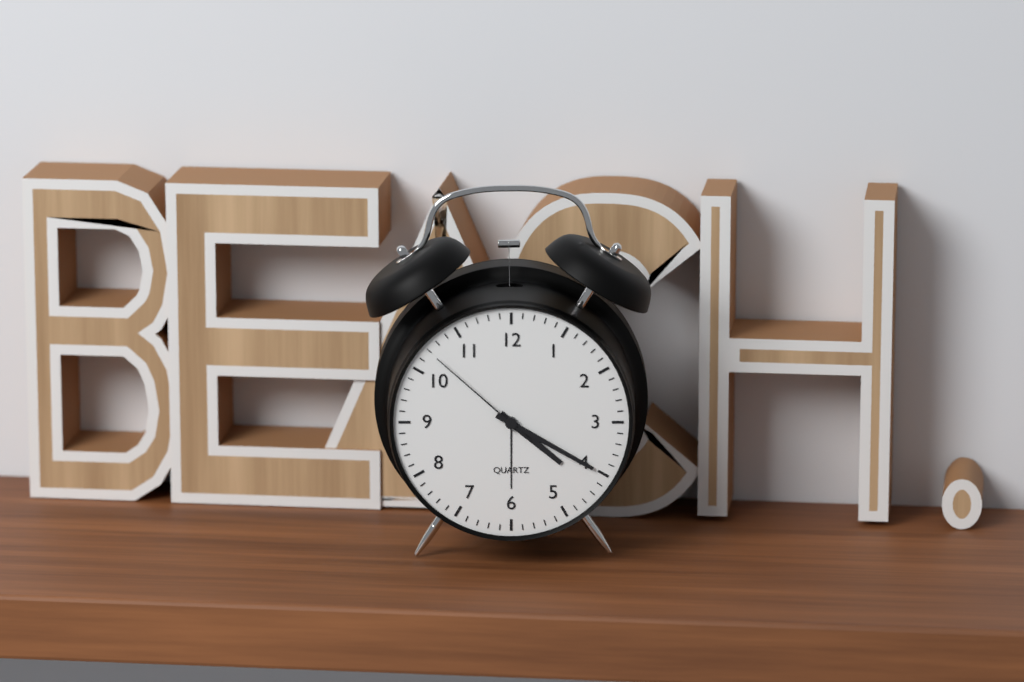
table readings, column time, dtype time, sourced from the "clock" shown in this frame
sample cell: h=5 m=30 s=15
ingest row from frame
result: h=4 m=20 s=52
